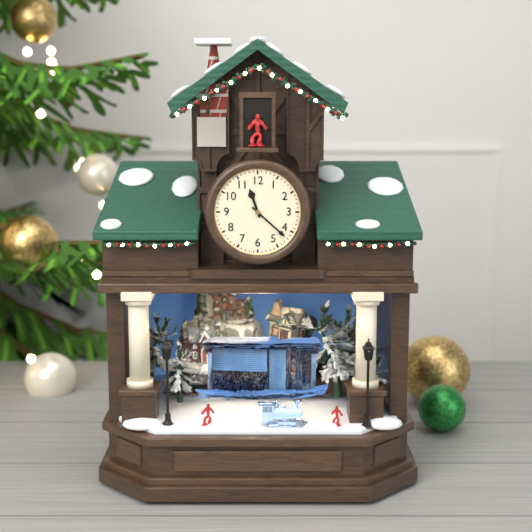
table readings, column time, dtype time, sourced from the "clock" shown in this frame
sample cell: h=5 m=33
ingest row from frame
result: h=11 m=22
